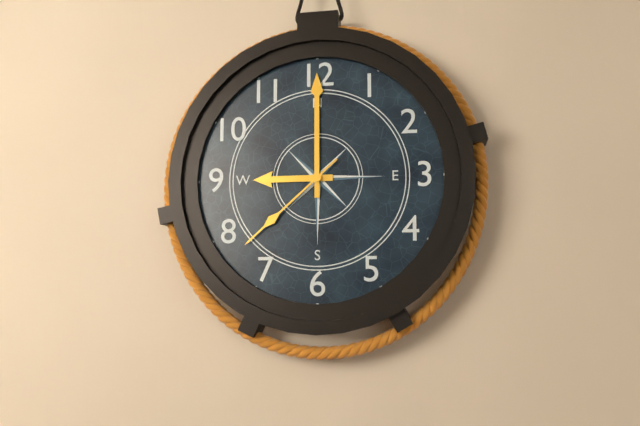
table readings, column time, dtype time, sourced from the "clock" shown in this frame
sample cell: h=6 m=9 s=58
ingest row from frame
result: h=9 m=0 s=38
